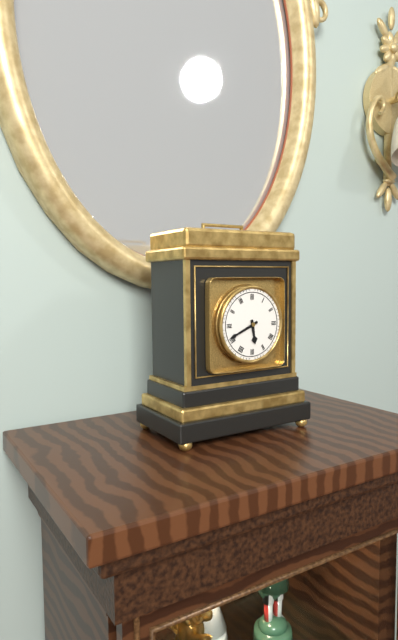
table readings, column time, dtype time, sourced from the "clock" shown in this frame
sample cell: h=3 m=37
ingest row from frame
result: h=5 m=41
